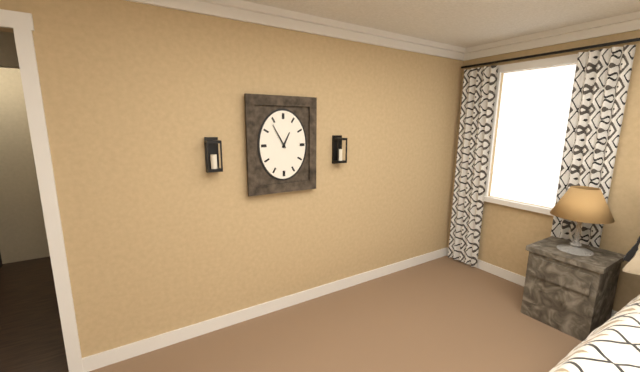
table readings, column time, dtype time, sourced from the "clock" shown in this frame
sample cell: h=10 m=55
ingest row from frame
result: h=12 m=55
